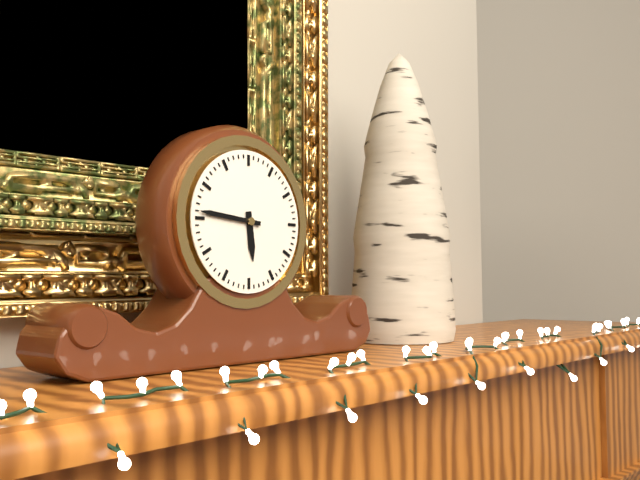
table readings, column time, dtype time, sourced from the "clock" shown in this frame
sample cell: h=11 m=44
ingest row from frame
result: h=5 m=46
